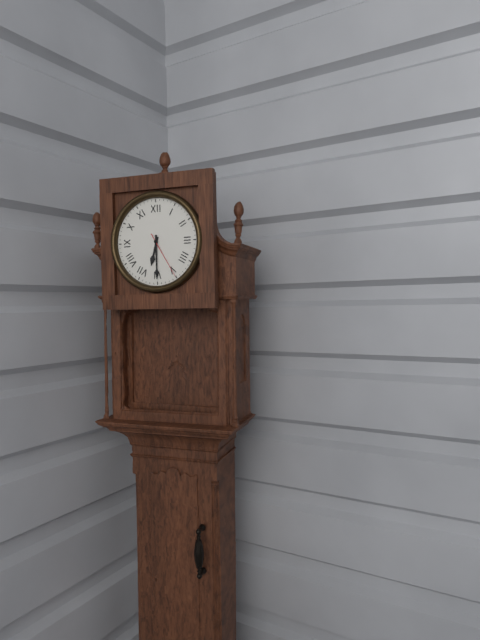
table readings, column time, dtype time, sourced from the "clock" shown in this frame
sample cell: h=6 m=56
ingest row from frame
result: h=6 m=30
